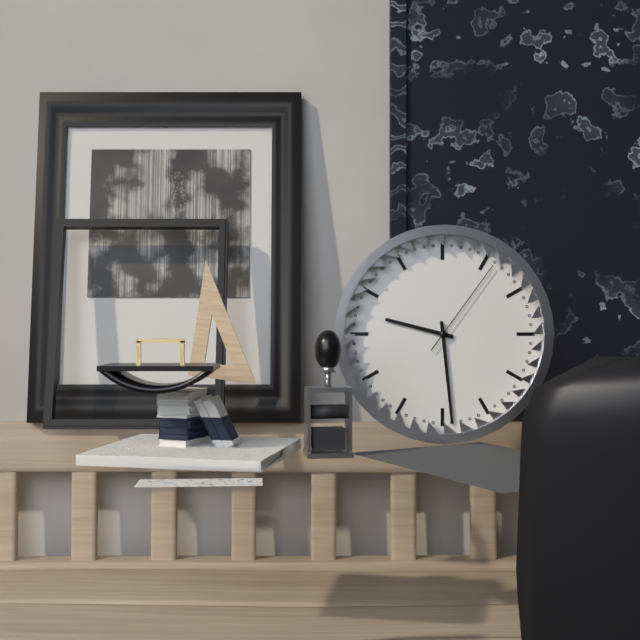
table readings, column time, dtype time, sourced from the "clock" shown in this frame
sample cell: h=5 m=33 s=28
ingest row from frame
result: h=9 m=29 s=6
